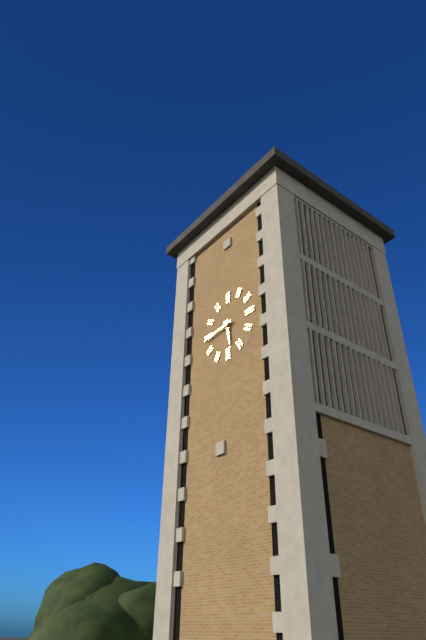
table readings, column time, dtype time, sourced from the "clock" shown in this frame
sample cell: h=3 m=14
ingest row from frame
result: h=5 m=44
